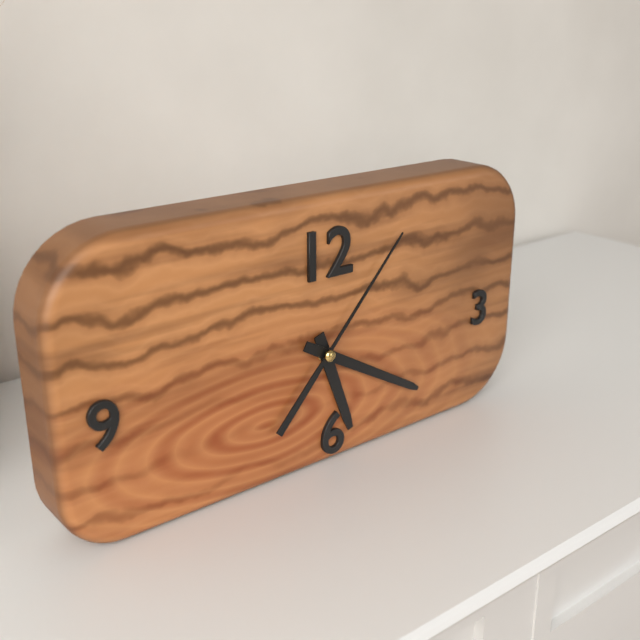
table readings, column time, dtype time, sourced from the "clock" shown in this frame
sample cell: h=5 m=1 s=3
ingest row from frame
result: h=5 m=20 s=7
